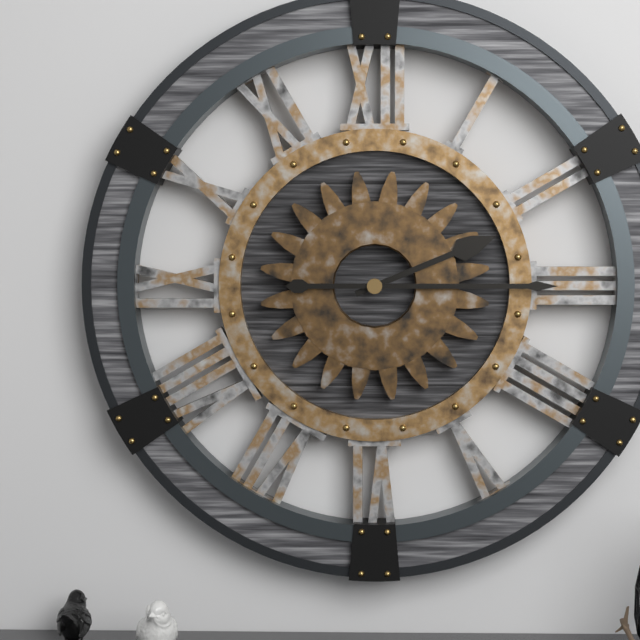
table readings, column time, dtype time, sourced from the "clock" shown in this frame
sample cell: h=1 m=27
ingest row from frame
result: h=2 m=15
